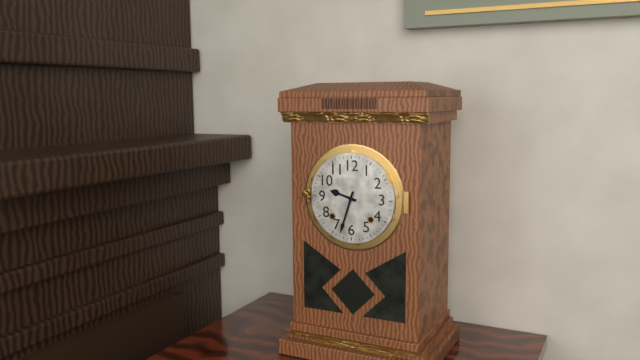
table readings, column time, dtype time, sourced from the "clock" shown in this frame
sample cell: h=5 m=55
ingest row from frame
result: h=9 m=33
